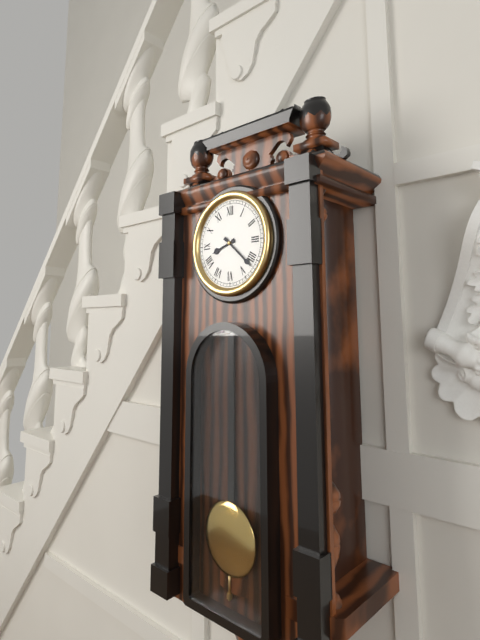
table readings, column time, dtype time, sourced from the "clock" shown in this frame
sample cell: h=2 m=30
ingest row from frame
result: h=8 m=22
